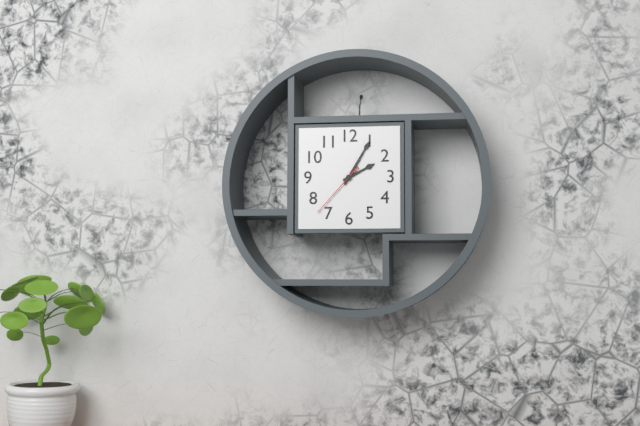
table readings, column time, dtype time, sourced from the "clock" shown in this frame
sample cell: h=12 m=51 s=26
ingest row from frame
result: h=2 m=5 s=37
